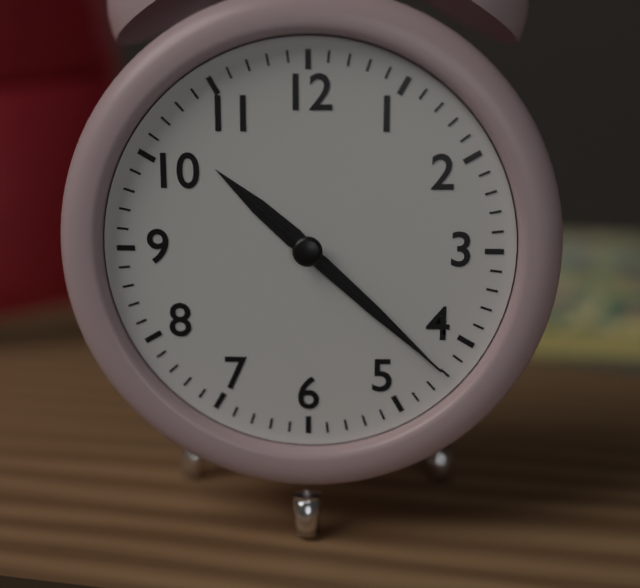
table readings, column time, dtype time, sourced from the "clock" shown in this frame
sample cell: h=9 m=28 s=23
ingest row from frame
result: h=10 m=22 s=22
